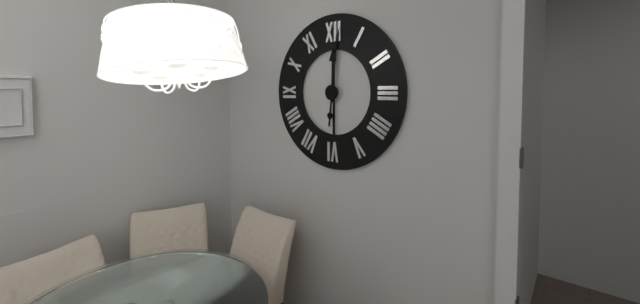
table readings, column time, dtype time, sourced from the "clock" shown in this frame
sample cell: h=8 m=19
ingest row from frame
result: h=12 m=1
